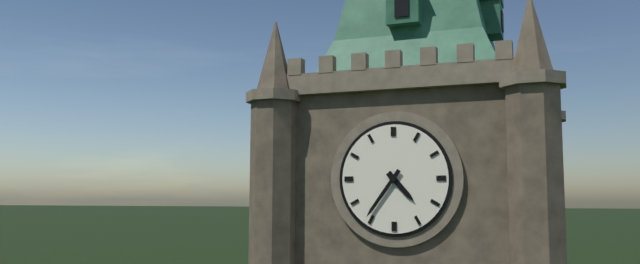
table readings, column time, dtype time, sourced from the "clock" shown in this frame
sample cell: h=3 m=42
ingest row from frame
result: h=4 m=36
